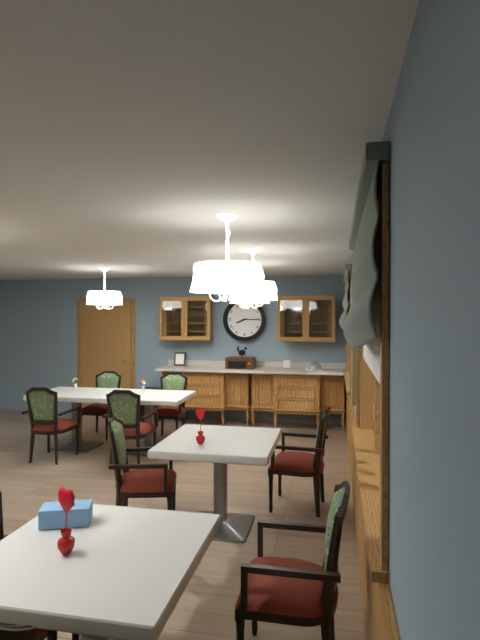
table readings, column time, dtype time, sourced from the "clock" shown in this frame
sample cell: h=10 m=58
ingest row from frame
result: h=8 m=15
